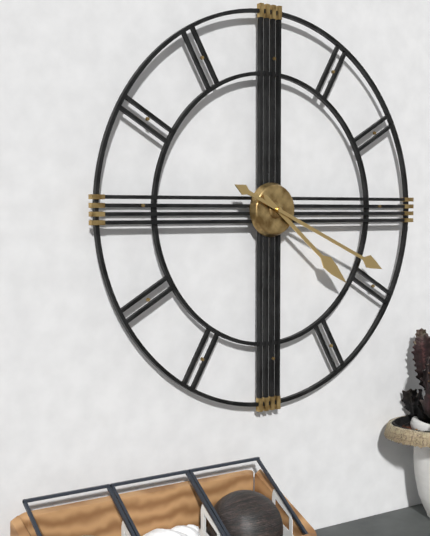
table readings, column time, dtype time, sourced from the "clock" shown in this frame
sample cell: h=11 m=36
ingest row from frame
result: h=4 m=19
